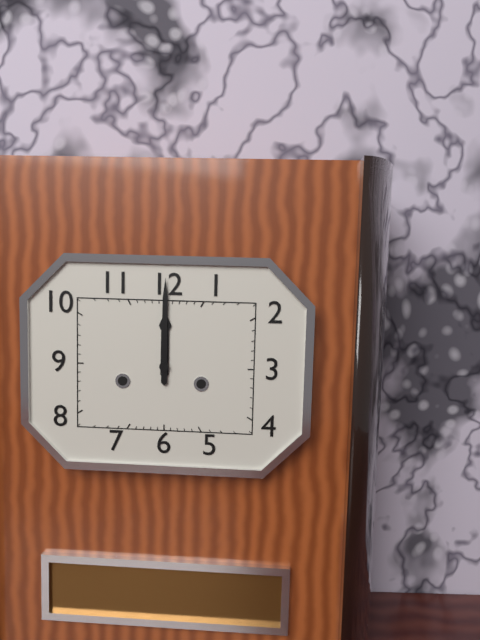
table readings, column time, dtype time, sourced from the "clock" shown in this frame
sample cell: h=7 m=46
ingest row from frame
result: h=12 m=0
